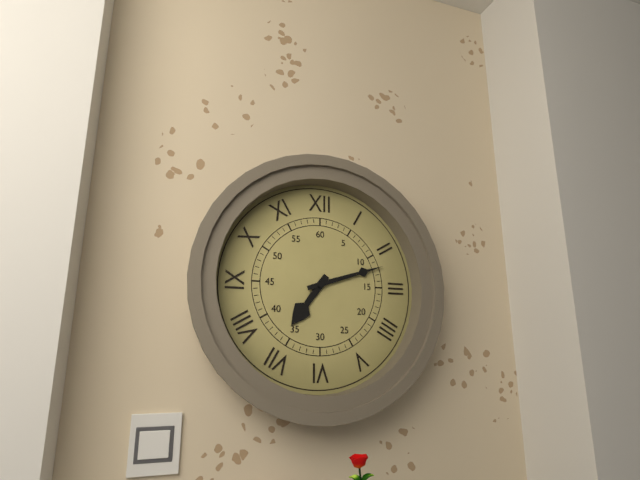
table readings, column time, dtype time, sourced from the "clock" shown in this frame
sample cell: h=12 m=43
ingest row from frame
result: h=7 m=12
